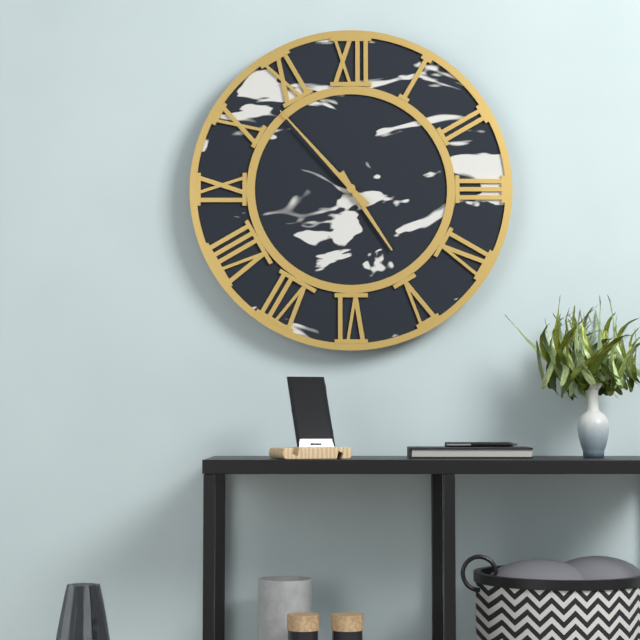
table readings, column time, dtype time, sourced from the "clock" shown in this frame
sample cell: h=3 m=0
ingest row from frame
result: h=4 m=53
